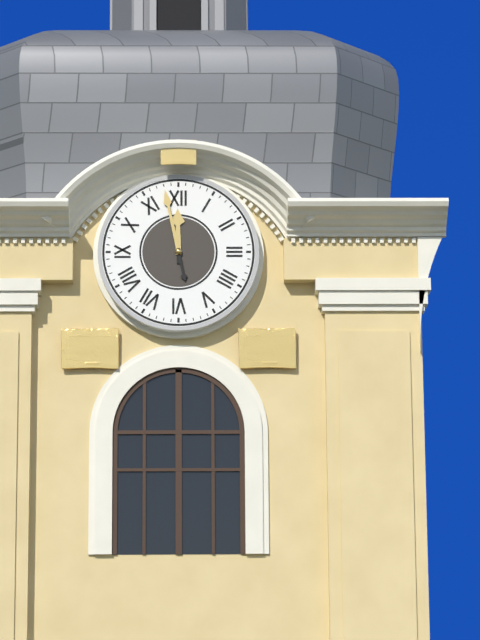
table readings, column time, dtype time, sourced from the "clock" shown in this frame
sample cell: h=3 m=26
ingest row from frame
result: h=11 m=58
